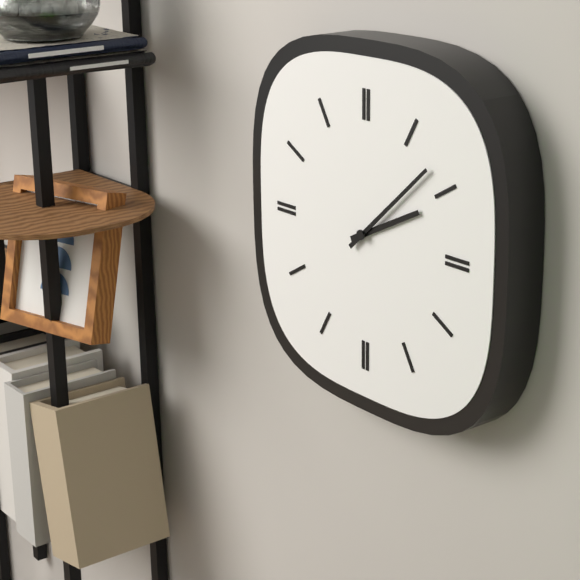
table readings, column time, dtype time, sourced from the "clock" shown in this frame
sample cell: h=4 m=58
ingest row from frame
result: h=2 m=8
